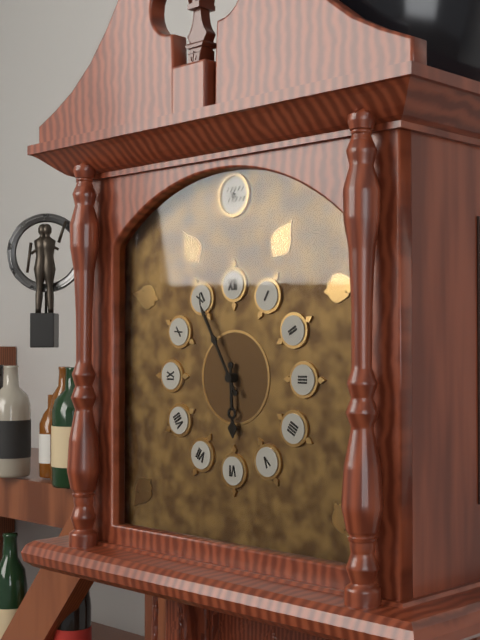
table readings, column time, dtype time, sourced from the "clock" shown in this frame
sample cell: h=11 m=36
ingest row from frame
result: h=5 m=55
